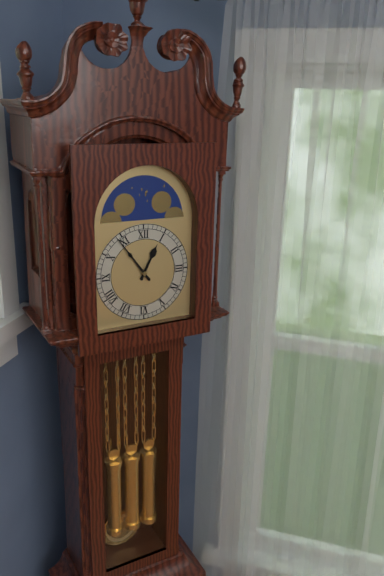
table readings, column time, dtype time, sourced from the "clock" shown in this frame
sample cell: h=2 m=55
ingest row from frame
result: h=12 m=54
